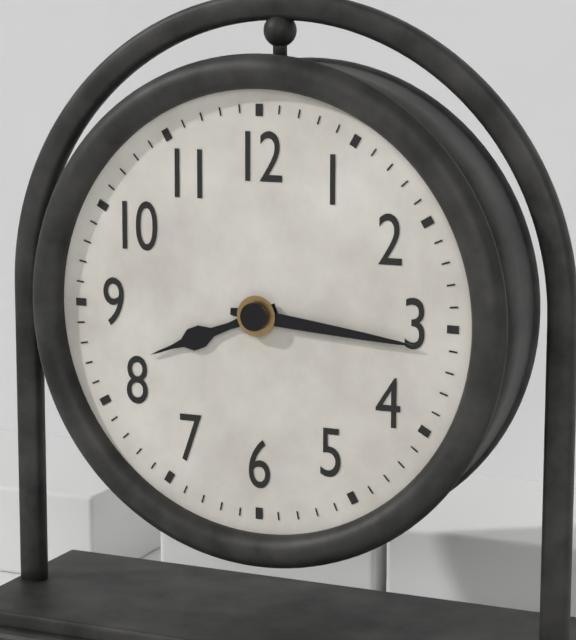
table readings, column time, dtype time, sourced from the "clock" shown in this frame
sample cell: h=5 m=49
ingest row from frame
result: h=8 m=16
